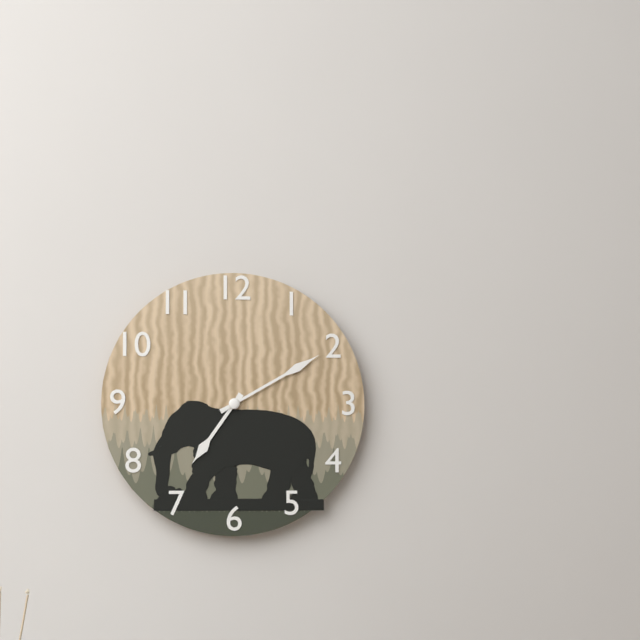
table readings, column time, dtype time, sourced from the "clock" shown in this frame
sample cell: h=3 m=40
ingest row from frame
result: h=7 m=10
